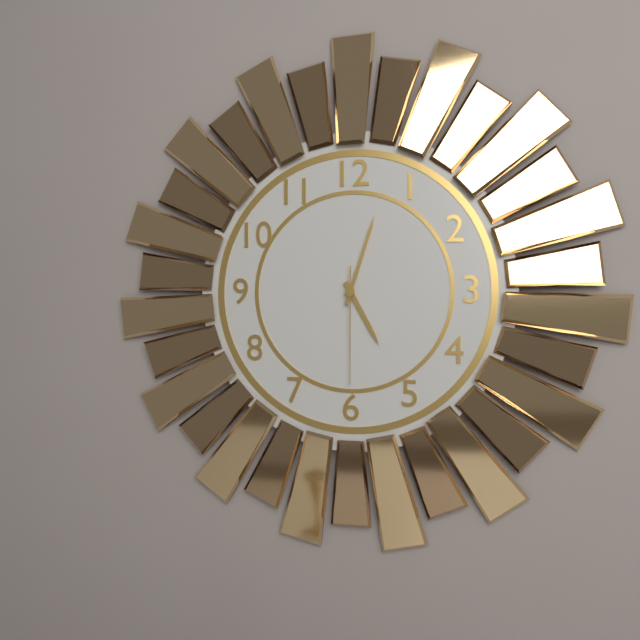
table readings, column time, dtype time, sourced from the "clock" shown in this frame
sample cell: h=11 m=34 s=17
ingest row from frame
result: h=5 m=3 s=30
